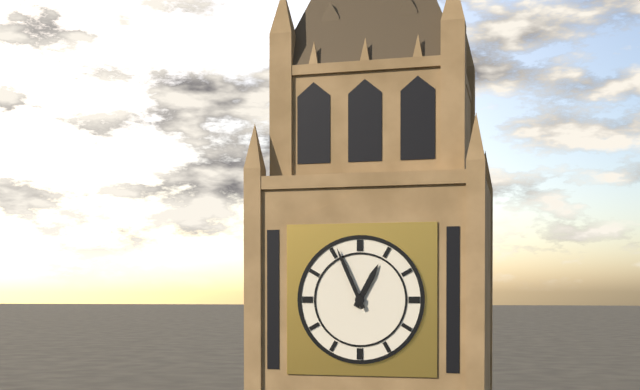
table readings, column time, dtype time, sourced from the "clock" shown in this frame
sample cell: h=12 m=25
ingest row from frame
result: h=12 m=56
